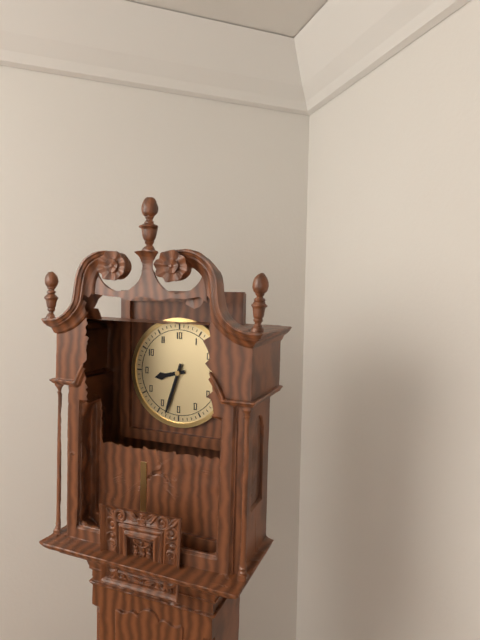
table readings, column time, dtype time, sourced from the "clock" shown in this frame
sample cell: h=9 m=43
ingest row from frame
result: h=8 m=33
